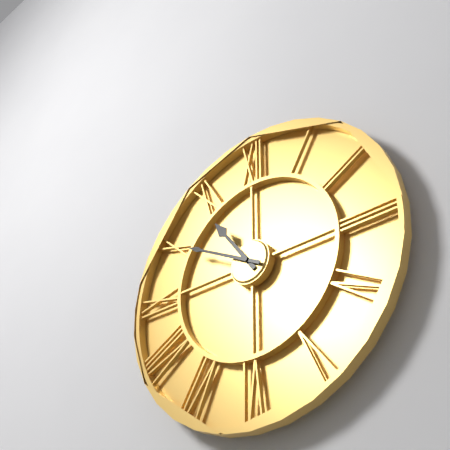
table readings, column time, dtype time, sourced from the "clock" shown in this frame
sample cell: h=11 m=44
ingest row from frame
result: h=10 m=50
